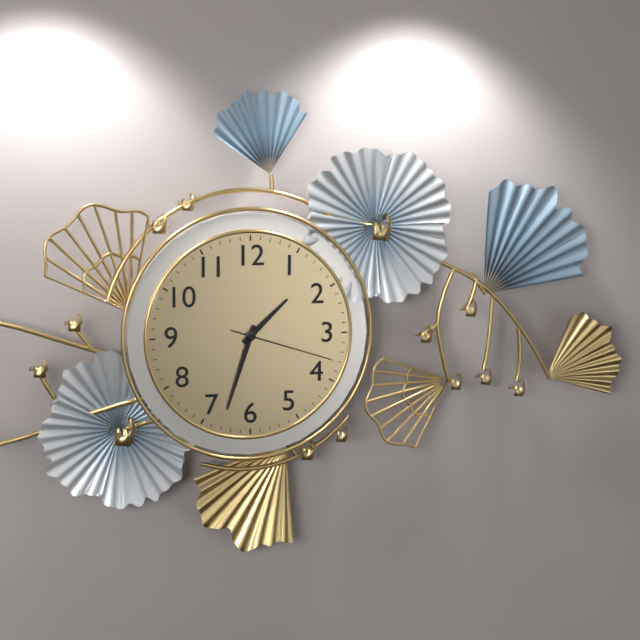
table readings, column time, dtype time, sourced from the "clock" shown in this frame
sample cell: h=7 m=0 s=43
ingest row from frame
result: h=1 m=33 s=18
